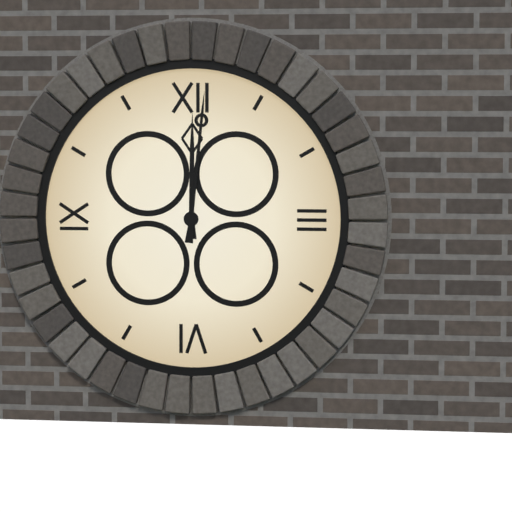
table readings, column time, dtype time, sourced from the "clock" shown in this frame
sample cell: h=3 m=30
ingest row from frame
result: h=12 m=1
